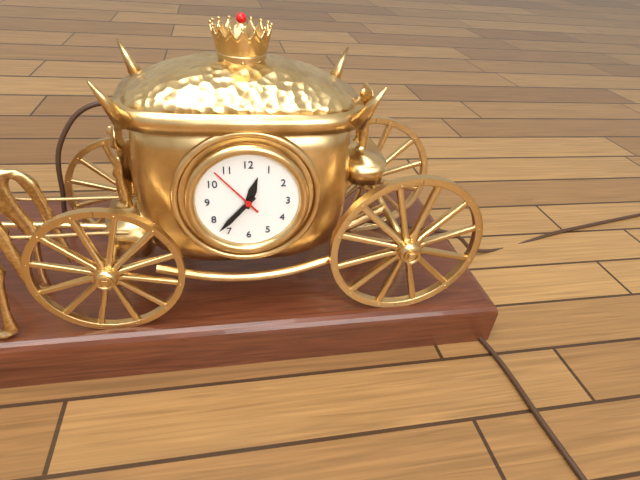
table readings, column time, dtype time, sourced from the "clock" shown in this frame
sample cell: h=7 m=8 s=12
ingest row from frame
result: h=12 m=37 s=53
